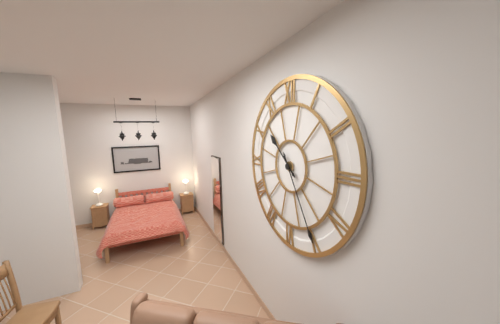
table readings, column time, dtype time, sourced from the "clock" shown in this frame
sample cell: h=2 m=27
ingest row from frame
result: h=10 m=25
